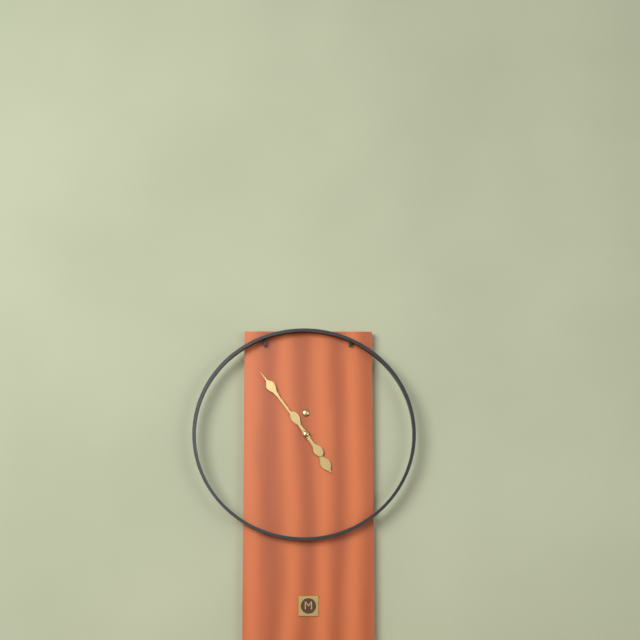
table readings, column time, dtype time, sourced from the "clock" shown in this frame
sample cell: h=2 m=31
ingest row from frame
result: h=4 m=54
